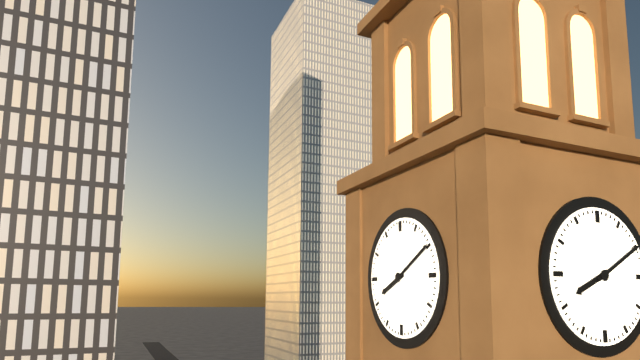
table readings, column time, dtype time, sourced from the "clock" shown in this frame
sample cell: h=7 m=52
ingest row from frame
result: h=8 m=10
